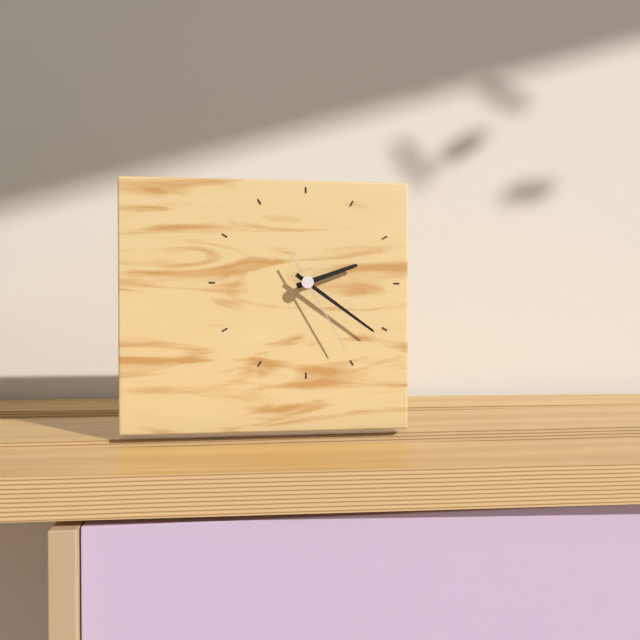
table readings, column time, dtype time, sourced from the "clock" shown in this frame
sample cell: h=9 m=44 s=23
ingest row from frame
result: h=2 m=21 s=25
